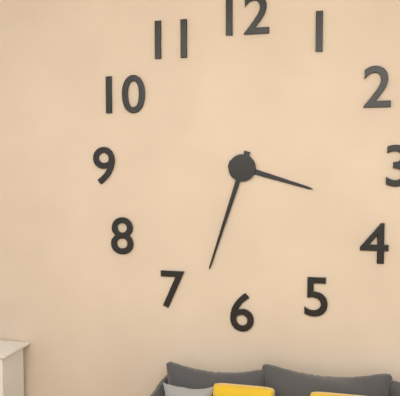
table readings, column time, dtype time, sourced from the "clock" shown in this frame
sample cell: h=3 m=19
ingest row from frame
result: h=3 m=33
